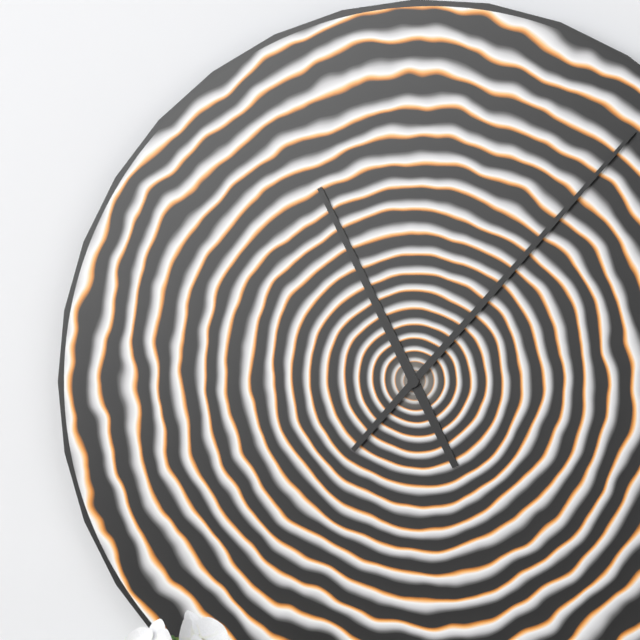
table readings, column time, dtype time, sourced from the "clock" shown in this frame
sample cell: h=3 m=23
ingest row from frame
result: h=11 m=7
